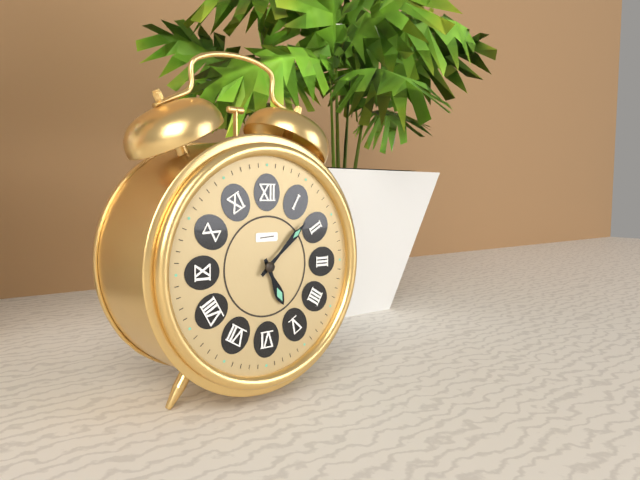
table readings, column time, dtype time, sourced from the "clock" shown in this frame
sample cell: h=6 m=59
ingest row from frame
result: h=5 m=8
